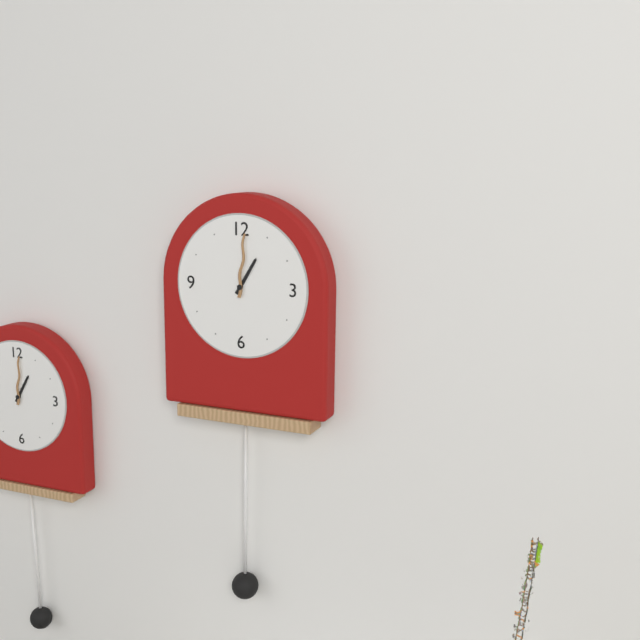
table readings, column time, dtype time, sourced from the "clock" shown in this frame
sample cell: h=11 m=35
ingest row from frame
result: h=1 m=1
